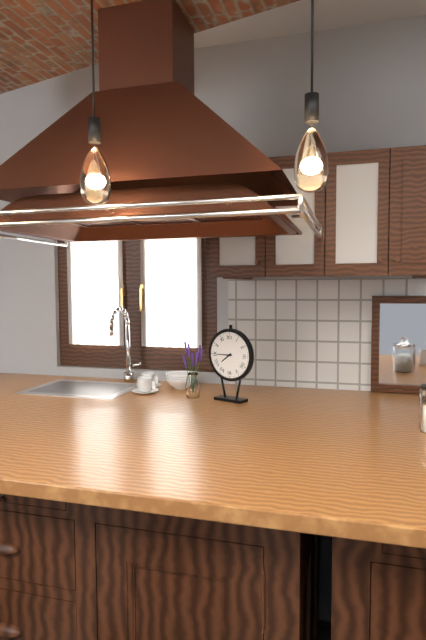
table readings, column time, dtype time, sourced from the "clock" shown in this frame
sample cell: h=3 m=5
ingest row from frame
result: h=7 m=45
